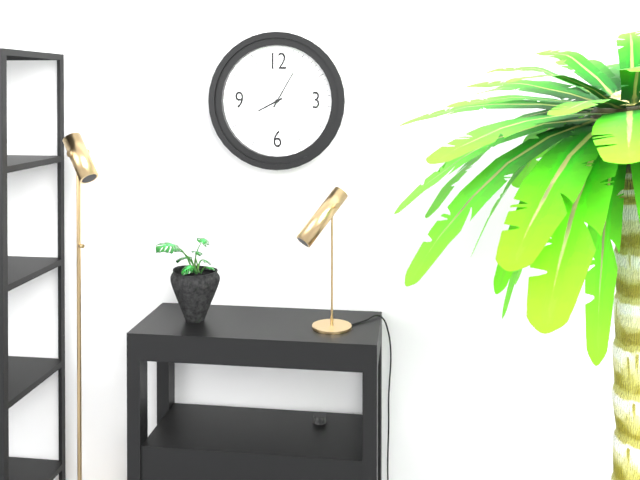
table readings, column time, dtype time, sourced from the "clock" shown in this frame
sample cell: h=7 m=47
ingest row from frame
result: h=8 m=5
